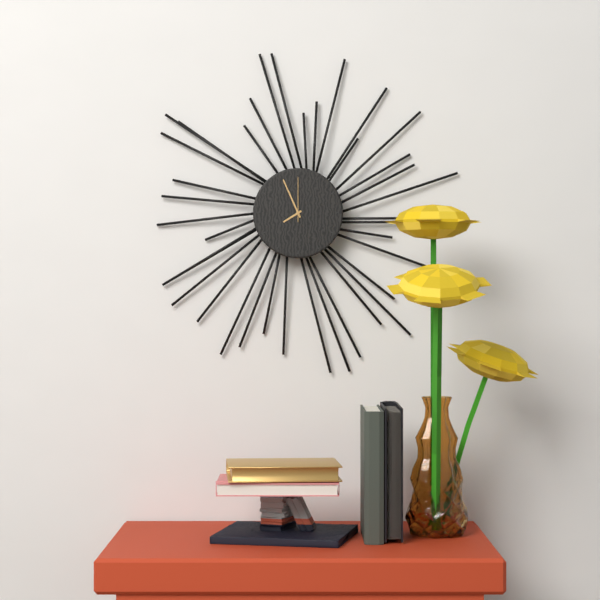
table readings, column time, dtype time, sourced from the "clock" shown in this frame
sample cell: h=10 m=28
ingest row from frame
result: h=7 m=56
